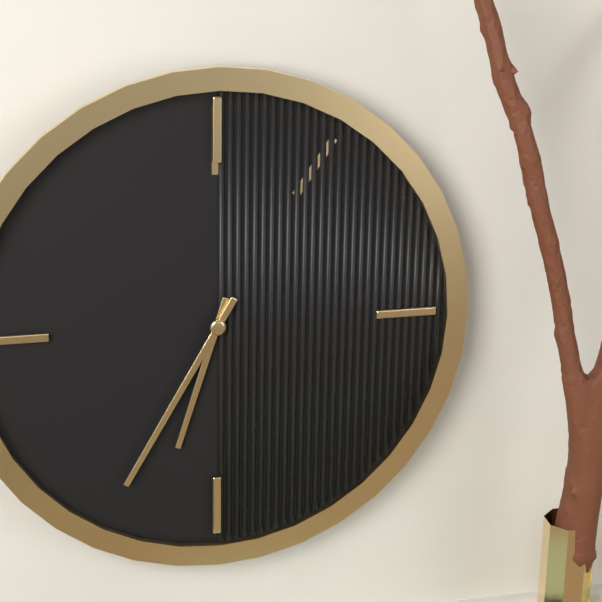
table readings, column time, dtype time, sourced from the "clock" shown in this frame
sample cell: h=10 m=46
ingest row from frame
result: h=6 m=35
